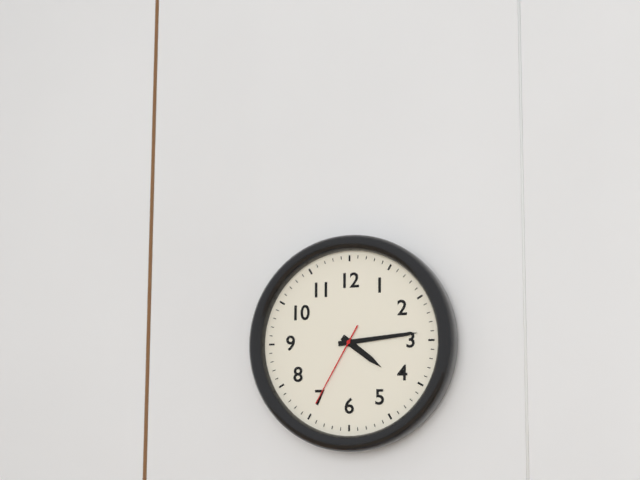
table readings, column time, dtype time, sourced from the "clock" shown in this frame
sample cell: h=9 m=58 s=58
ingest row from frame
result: h=4 m=14 s=35
